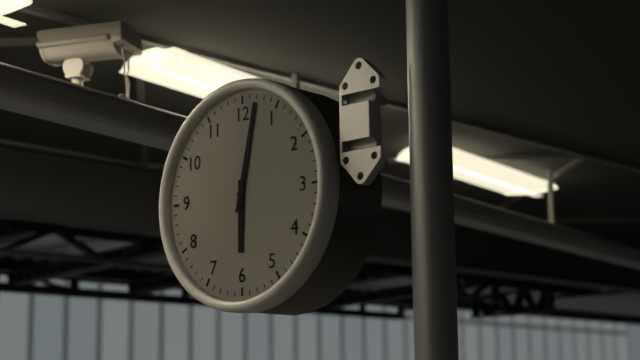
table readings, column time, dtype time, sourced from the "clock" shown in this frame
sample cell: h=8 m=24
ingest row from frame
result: h=6 m=2
